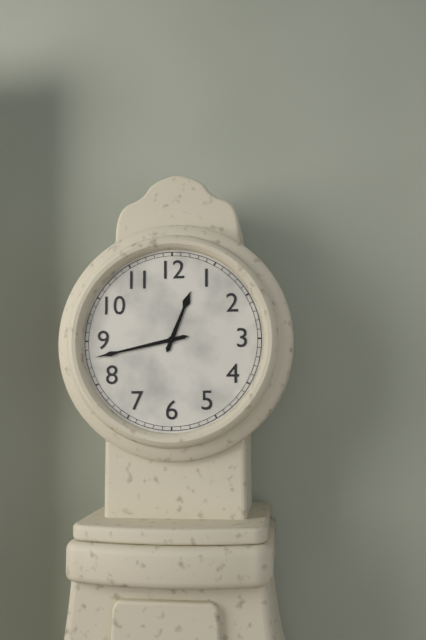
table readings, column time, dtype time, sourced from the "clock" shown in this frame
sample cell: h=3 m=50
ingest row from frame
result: h=12 m=43
